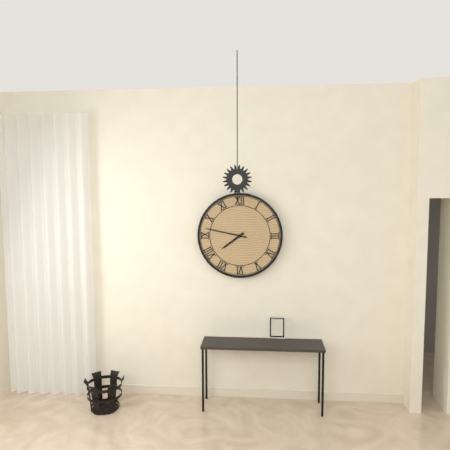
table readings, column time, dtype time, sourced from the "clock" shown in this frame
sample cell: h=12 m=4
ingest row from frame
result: h=7 m=47
